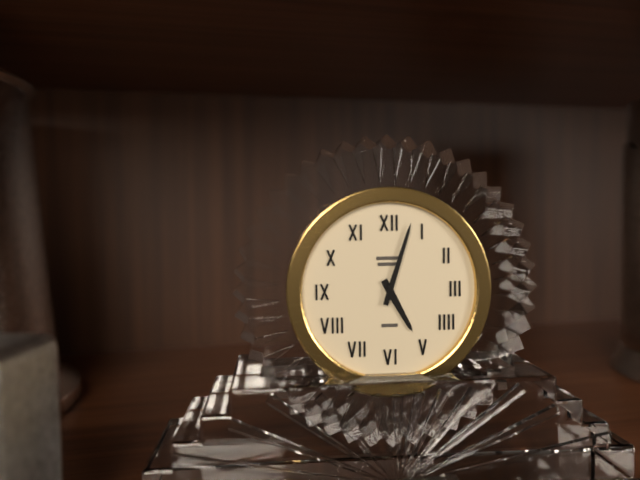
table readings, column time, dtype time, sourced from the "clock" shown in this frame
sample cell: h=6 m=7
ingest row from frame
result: h=5 m=3
